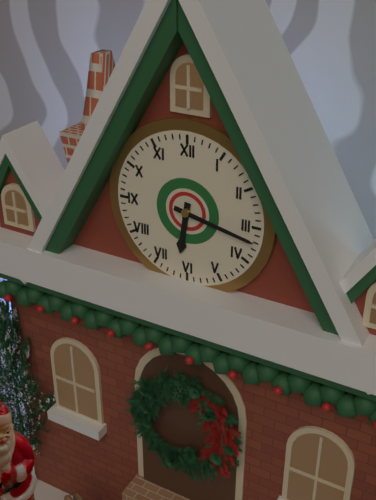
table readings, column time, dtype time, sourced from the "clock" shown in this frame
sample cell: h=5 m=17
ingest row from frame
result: h=6 m=17
